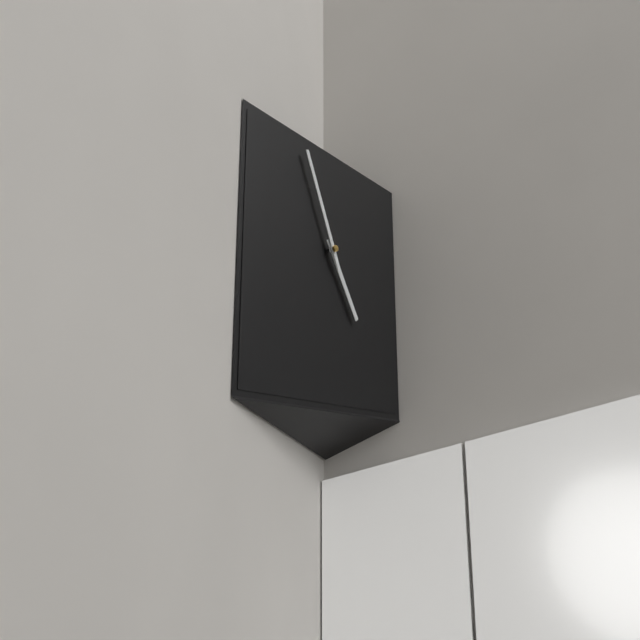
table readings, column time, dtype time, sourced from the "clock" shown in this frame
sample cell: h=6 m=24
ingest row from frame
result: h=4 m=56
